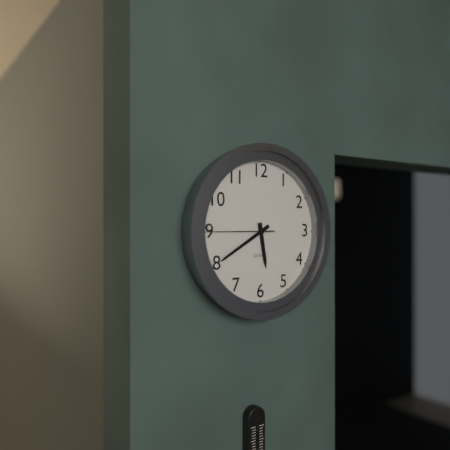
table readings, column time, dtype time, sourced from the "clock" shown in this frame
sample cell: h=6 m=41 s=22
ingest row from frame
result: h=5 m=40 s=45
